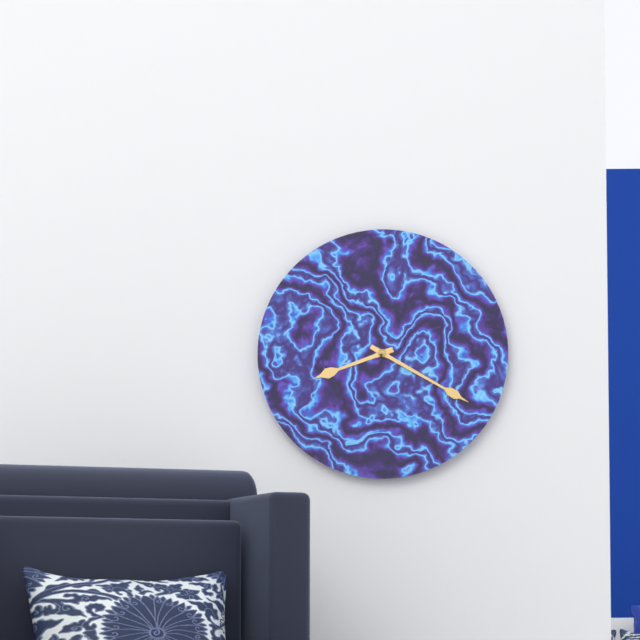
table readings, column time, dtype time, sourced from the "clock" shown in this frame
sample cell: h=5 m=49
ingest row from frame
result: h=8 m=20
